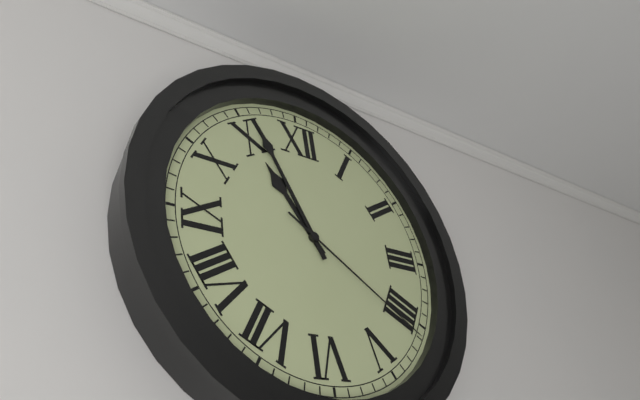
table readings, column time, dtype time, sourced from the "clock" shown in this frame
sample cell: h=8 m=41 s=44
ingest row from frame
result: h=10 m=56 s=21
